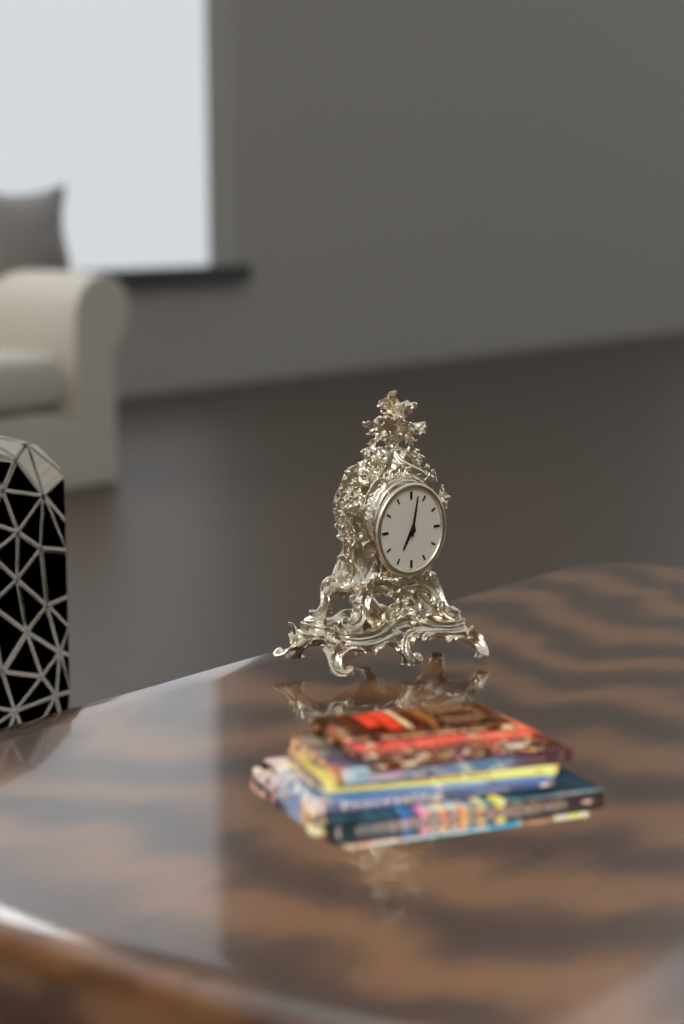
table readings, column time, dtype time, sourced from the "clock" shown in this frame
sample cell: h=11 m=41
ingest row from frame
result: h=7 m=2
